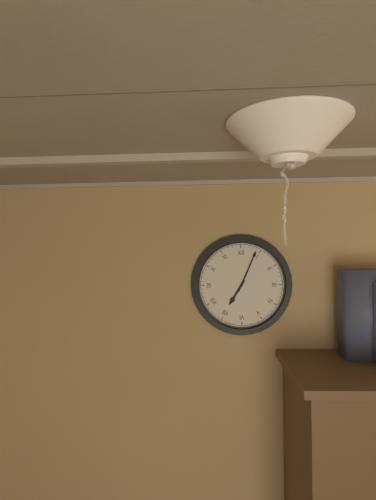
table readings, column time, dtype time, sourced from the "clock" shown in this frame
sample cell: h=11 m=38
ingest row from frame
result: h=7 m=4
